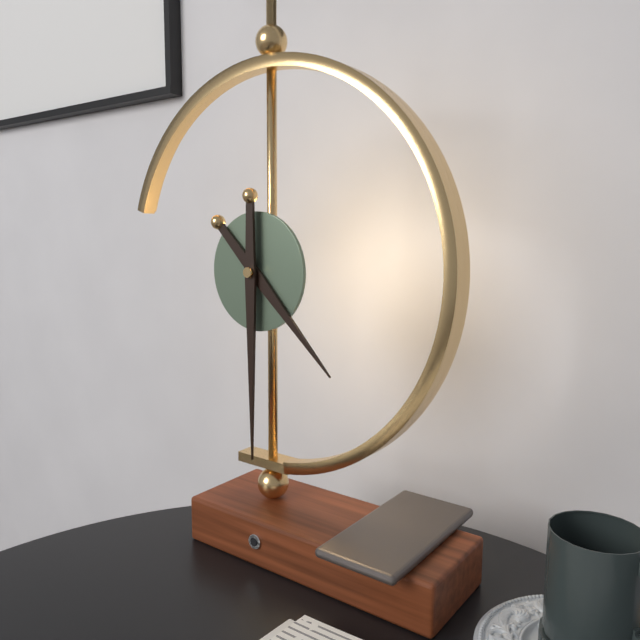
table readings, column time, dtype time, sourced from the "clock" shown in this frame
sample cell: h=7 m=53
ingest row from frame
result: h=4 m=30
